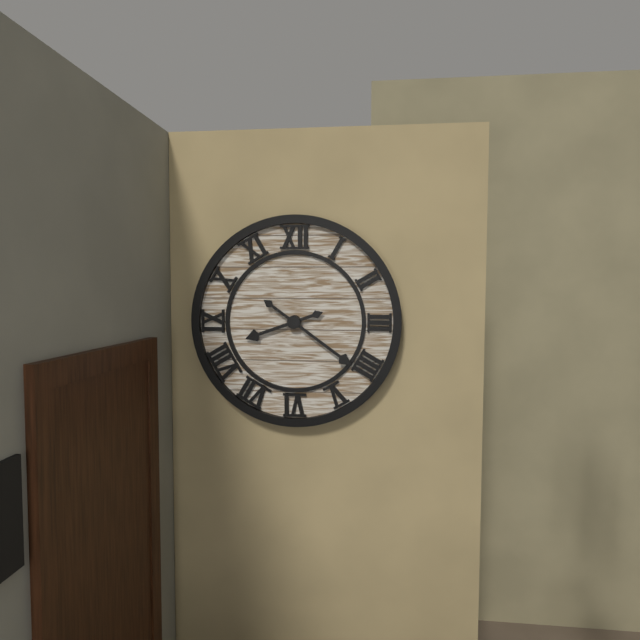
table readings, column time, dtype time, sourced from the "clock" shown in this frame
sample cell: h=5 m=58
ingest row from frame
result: h=8 m=21
